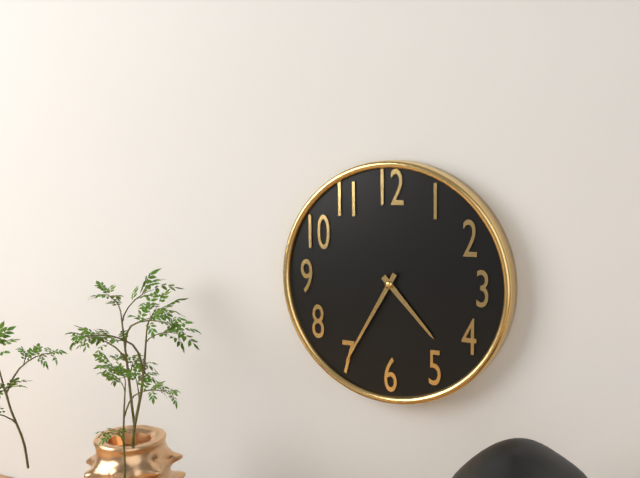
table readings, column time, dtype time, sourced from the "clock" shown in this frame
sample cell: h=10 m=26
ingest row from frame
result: h=4 m=35
